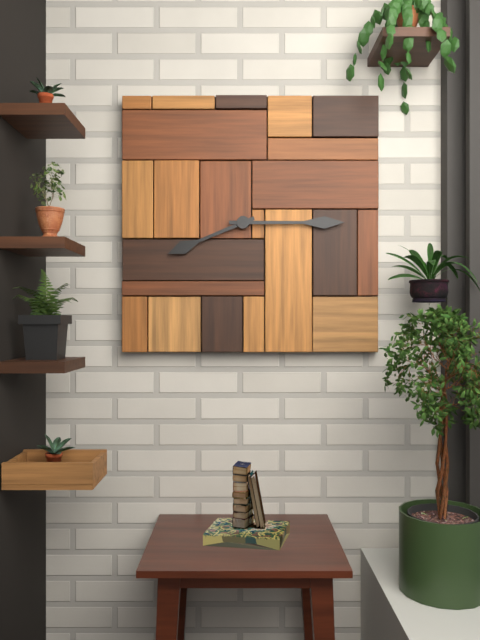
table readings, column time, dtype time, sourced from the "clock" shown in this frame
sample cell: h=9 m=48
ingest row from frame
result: h=8 m=15
